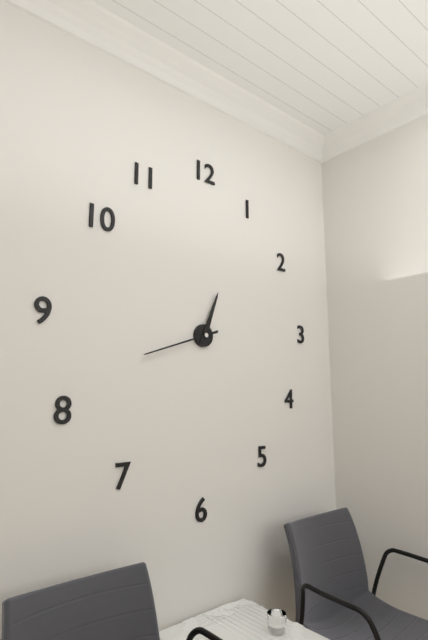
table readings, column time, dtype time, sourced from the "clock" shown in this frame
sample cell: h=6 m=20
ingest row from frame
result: h=12 m=42
